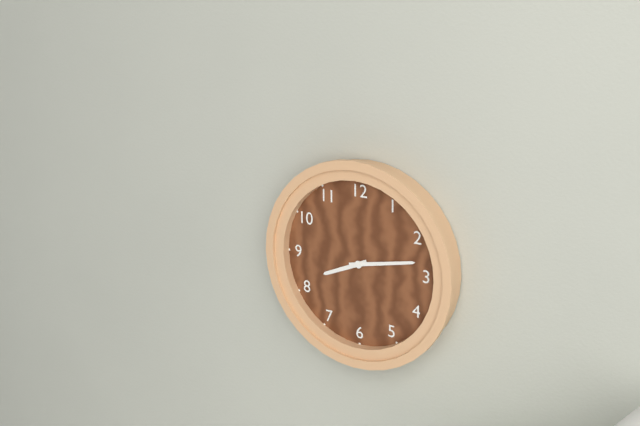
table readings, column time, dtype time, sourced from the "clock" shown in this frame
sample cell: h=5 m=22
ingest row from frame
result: h=8 m=13
